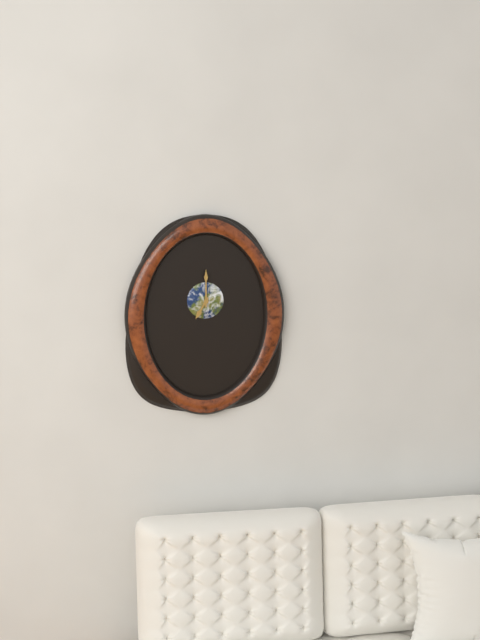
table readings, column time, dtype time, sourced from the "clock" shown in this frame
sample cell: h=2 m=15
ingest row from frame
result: h=7 m=0
